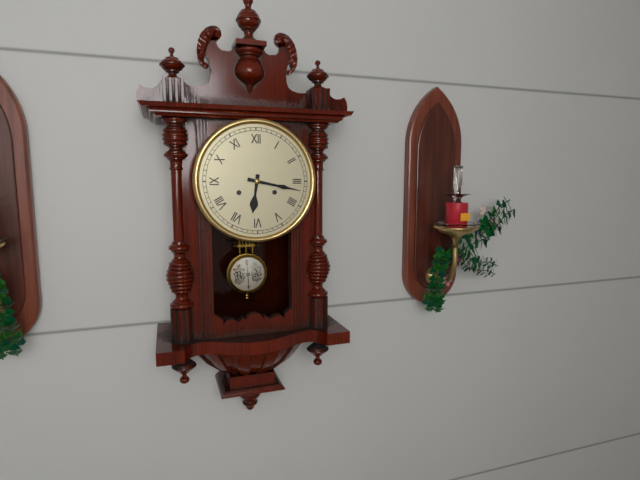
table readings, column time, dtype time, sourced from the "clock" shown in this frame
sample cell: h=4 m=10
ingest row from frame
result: h=6 m=17
